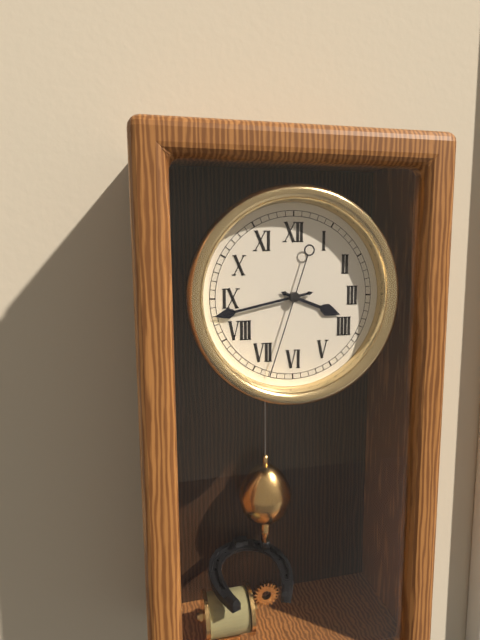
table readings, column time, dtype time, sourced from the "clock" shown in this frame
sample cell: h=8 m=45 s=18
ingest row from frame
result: h=3 m=43 s=33
